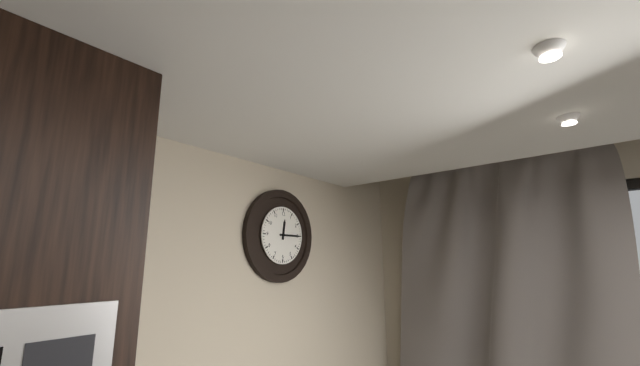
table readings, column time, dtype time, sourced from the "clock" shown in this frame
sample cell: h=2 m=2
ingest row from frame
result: h=12 m=15
